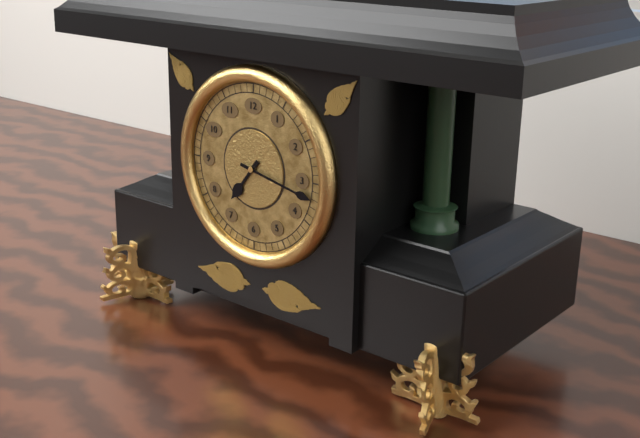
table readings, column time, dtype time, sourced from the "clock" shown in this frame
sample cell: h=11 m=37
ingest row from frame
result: h=7 m=17
